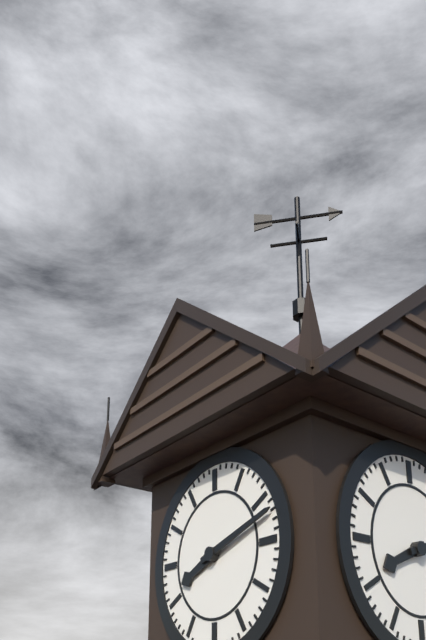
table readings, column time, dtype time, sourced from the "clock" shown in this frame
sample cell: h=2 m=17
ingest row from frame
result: h=8 m=12
